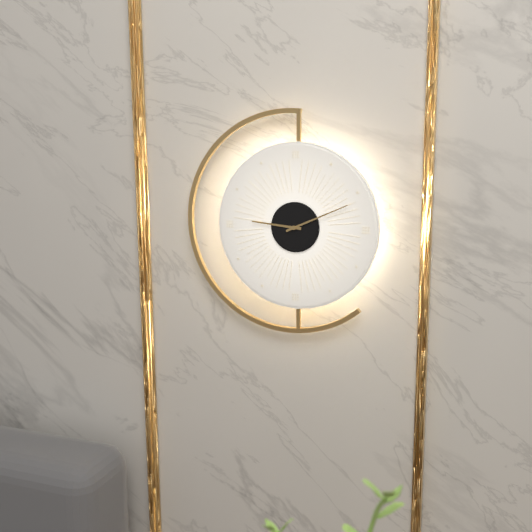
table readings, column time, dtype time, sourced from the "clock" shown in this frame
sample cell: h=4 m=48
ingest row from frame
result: h=9 m=11
